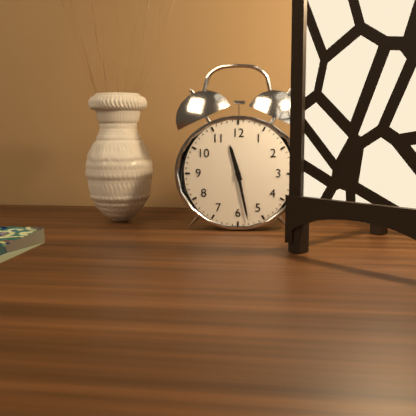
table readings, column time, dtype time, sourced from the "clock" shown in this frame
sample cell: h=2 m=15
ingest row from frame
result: h=11 m=28
